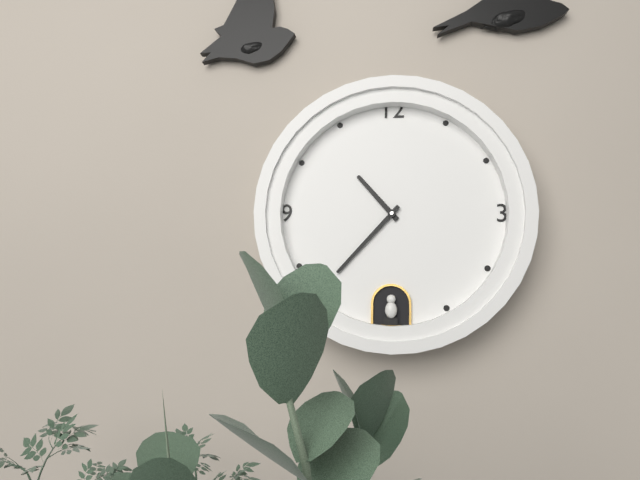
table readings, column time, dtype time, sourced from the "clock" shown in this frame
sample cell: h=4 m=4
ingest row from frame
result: h=10 m=37
